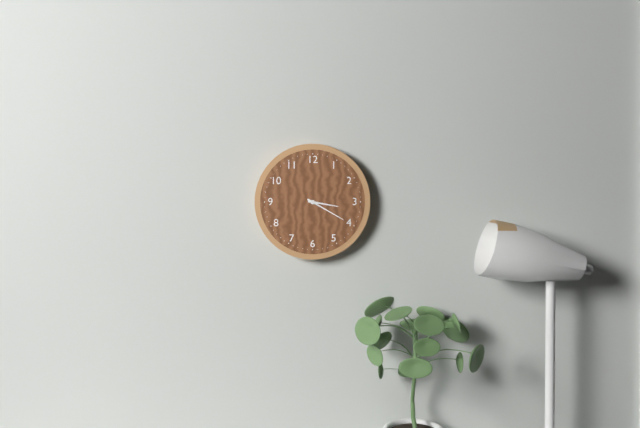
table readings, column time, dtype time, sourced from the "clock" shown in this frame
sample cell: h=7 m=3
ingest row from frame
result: h=3 m=20
